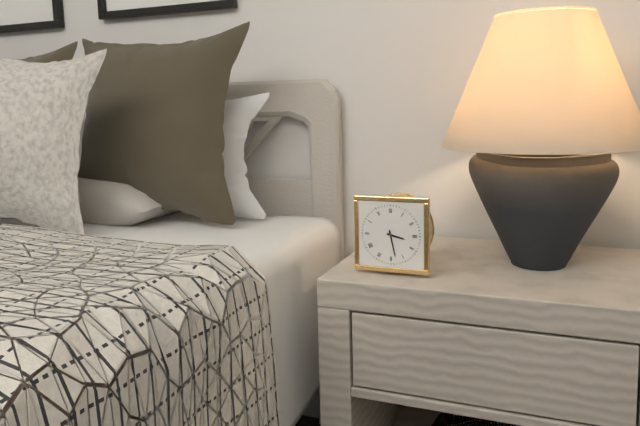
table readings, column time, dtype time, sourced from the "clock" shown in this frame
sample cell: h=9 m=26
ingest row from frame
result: h=3 m=28
